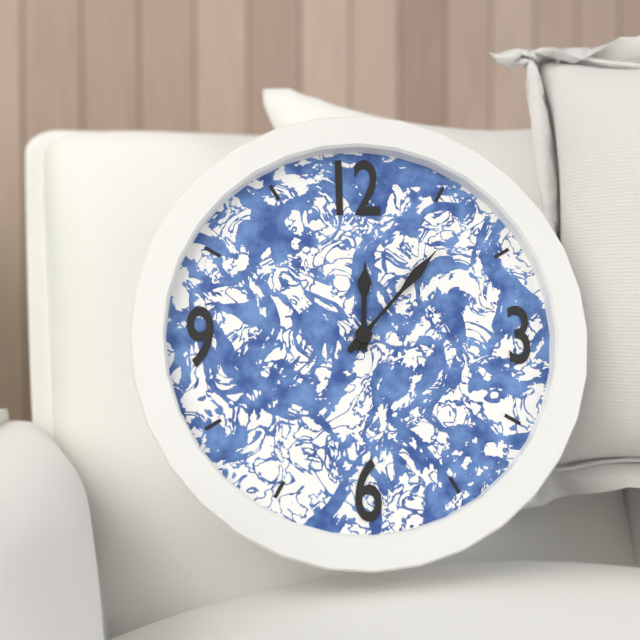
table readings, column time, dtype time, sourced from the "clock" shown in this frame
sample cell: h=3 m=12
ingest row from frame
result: h=12 m=7
